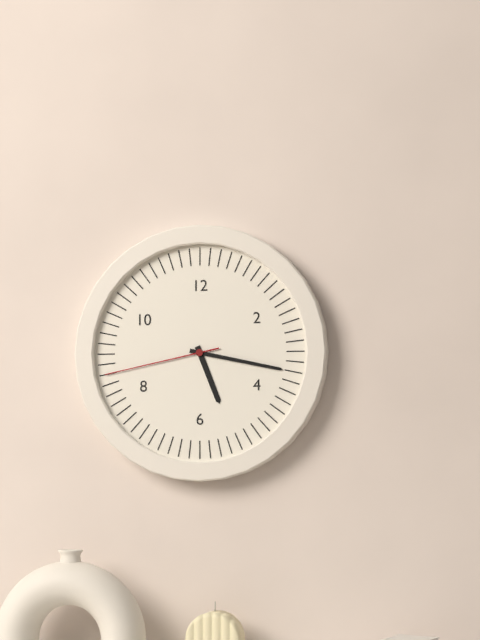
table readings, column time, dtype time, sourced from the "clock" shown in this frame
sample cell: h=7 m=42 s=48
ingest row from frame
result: h=5 m=17 s=43
